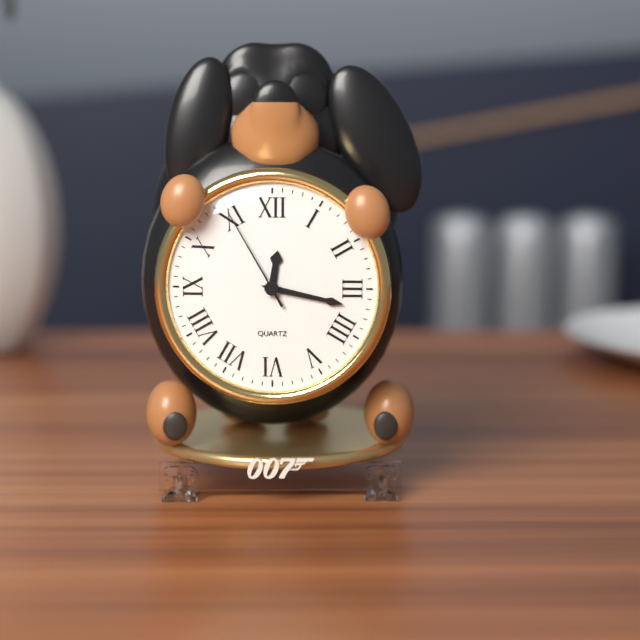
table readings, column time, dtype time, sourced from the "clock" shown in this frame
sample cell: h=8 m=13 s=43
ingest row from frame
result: h=12 m=17 s=55
